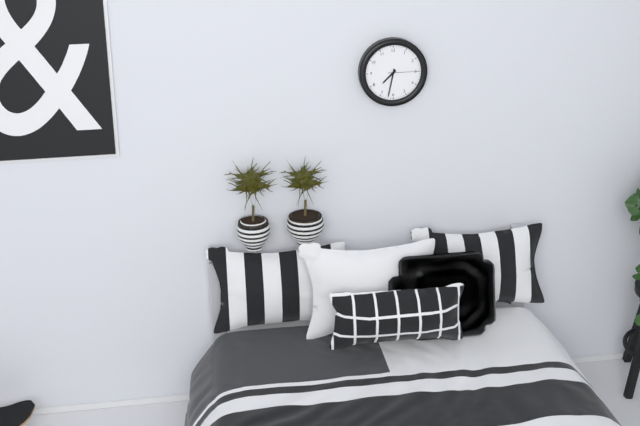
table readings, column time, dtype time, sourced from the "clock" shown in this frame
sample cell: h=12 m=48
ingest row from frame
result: h=7 m=32
